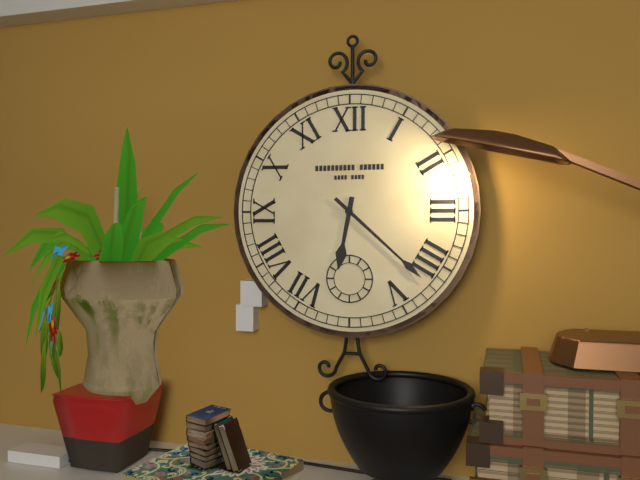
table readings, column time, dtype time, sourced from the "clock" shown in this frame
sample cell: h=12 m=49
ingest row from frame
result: h=6 m=22
